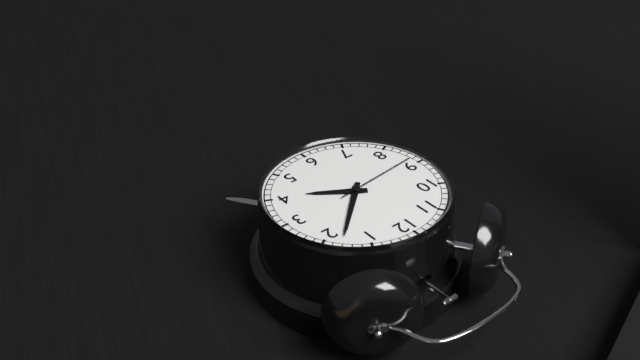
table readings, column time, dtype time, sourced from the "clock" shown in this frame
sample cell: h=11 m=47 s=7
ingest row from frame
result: h=4 m=8 s=44
